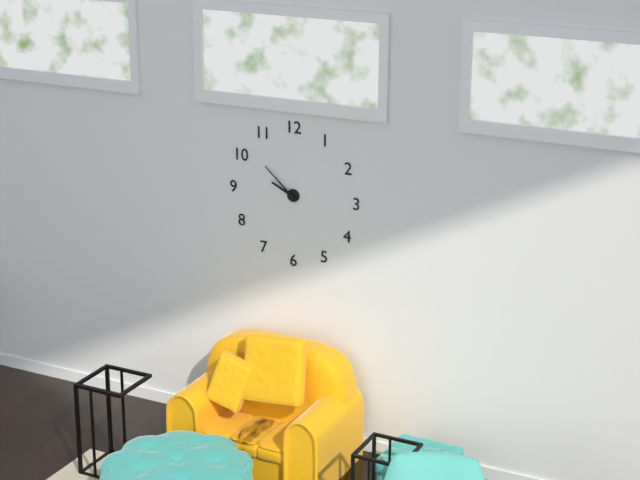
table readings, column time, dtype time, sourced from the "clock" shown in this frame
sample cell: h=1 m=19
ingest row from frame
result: h=9 m=52
